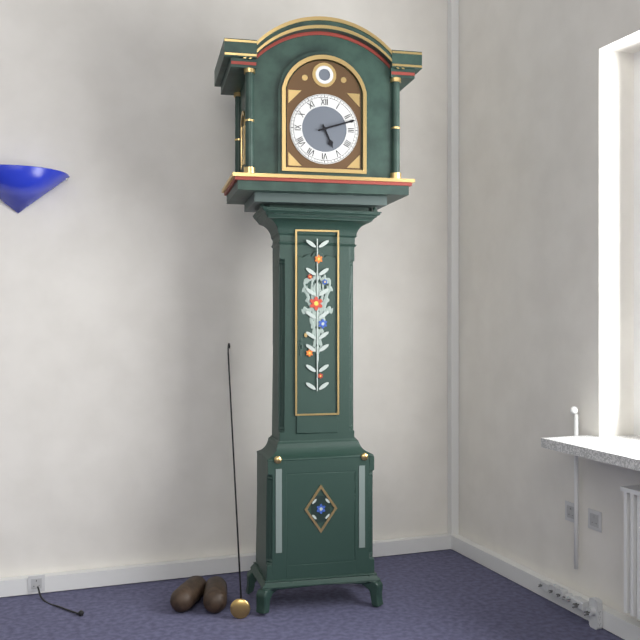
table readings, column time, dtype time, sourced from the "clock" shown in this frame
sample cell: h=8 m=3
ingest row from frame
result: h=5 m=12
